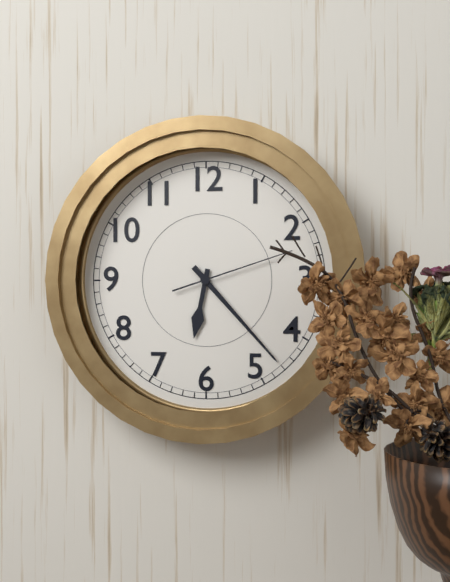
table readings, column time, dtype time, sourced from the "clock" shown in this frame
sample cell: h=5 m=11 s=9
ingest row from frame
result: h=6 m=23 s=12
